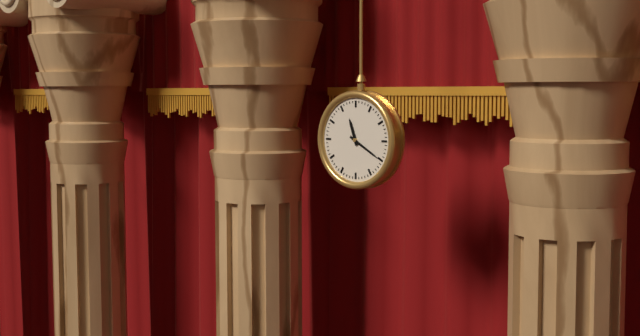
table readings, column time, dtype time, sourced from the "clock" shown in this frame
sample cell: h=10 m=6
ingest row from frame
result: h=11 m=20
